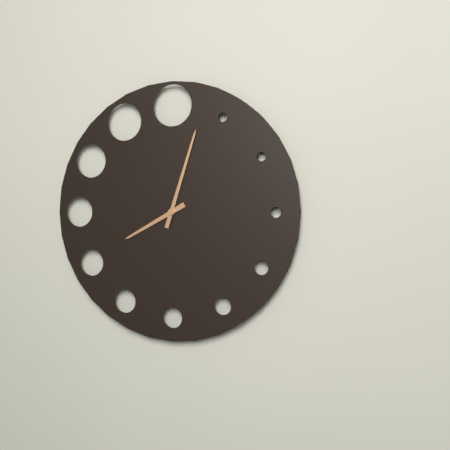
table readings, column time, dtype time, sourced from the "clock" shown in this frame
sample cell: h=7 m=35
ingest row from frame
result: h=8 m=3
